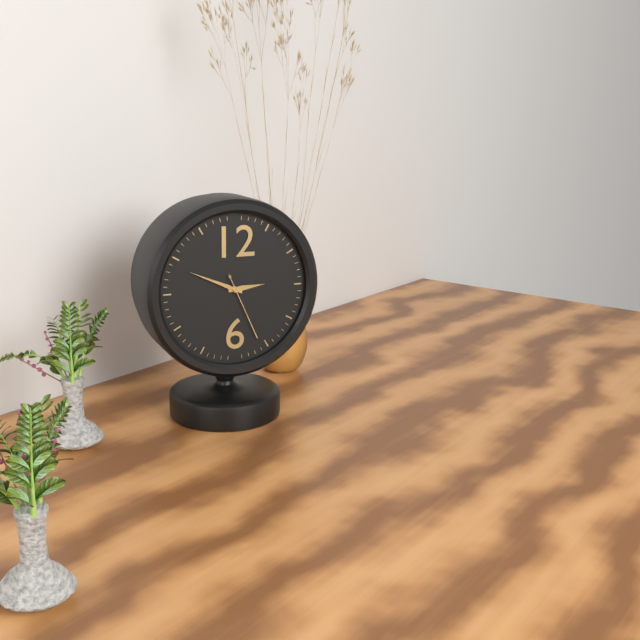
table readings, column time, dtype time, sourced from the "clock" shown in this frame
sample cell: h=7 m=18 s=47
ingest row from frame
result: h=2 m=49 s=26
